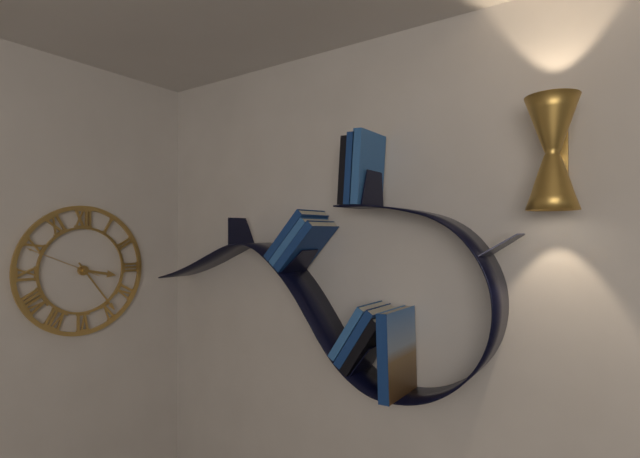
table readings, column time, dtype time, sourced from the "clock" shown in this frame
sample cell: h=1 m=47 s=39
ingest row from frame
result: h=3 m=24 s=49
